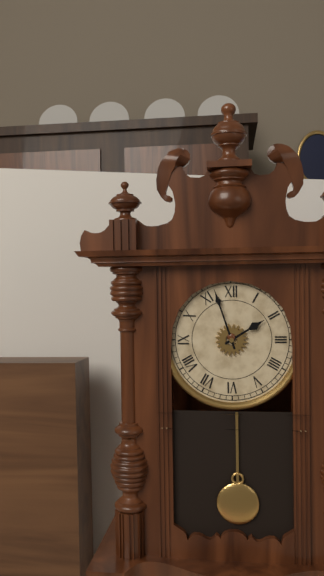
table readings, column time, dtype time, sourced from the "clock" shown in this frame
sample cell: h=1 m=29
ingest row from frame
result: h=1 m=57
